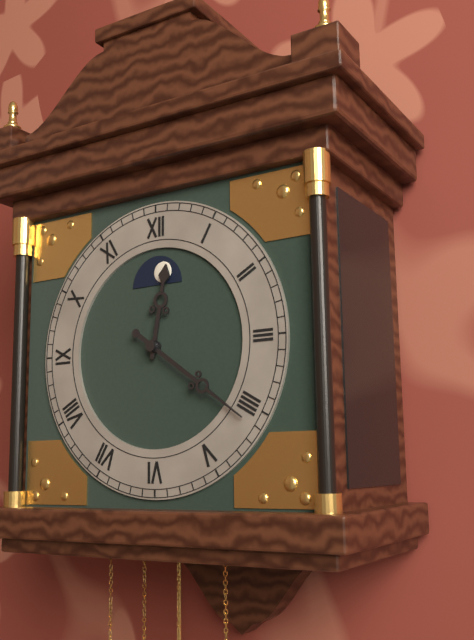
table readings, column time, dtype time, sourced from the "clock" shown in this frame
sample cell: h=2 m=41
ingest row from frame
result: h=12 m=21
